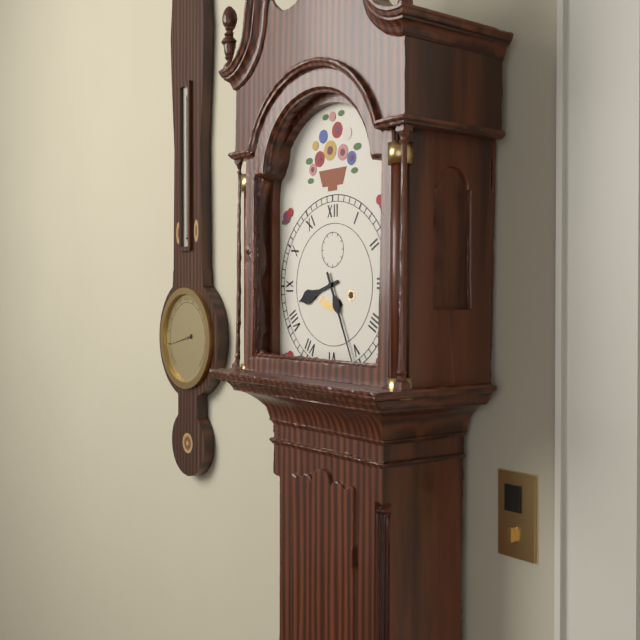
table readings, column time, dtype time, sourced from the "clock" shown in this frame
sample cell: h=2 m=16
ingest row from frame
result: h=8 m=26
